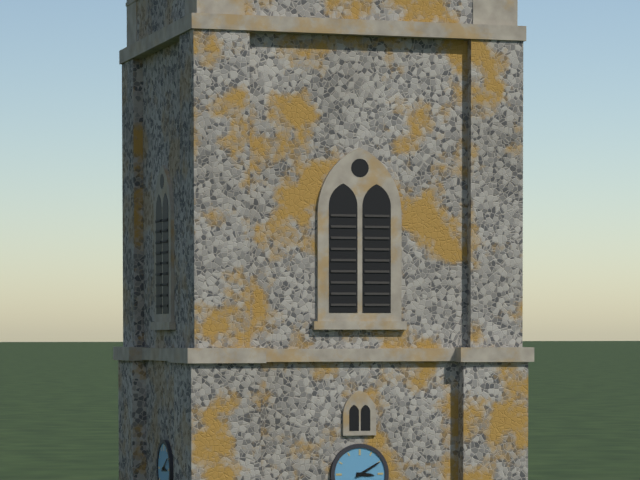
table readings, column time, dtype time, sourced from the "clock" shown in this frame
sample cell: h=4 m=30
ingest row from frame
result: h=3 m=10
